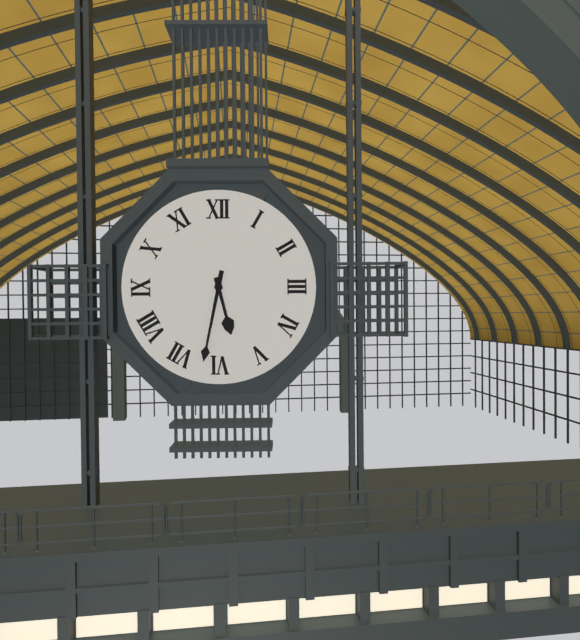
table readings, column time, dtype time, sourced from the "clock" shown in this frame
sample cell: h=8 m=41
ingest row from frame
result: h=5 m=32
